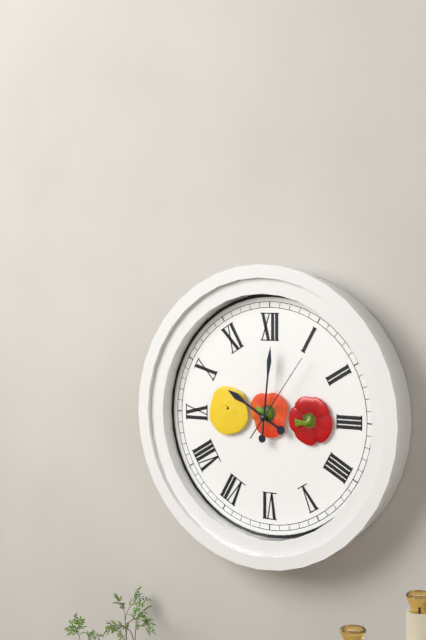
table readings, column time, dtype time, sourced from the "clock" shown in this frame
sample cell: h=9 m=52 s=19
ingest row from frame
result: h=10 m=1 s=6
